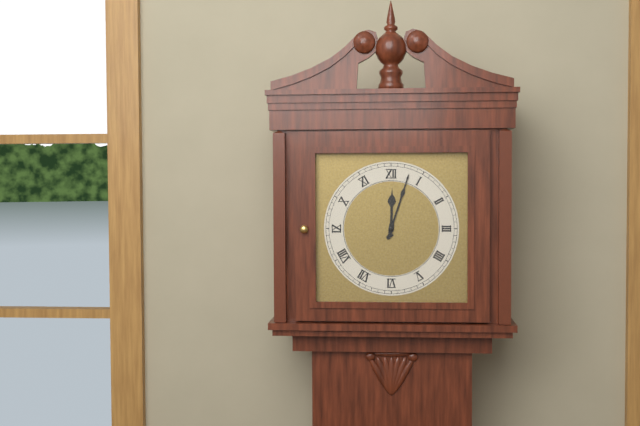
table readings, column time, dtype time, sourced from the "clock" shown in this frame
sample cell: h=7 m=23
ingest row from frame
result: h=12 m=3
